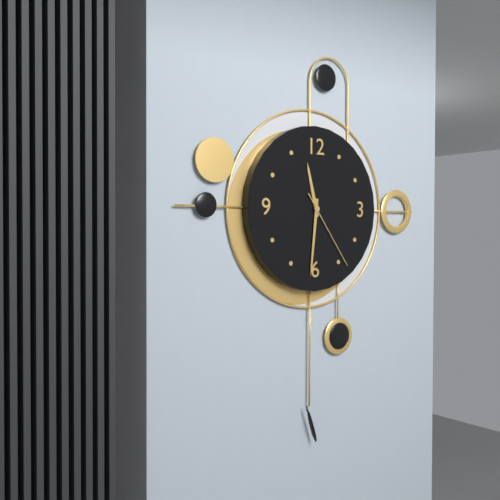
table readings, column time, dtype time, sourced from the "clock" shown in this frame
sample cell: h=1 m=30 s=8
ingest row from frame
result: h=11 m=31 s=24
